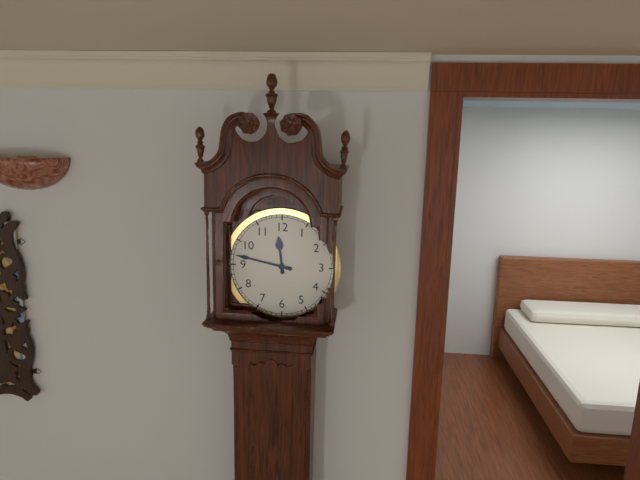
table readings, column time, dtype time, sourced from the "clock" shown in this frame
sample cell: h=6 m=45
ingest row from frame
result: h=11 m=47
